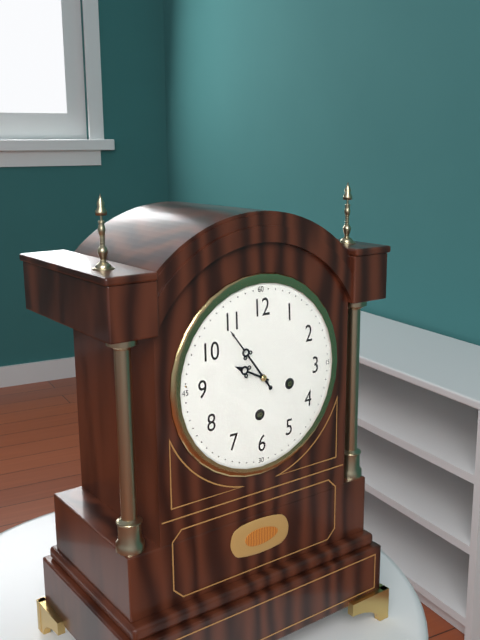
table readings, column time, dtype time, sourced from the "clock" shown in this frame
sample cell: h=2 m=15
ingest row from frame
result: h=9 m=54
